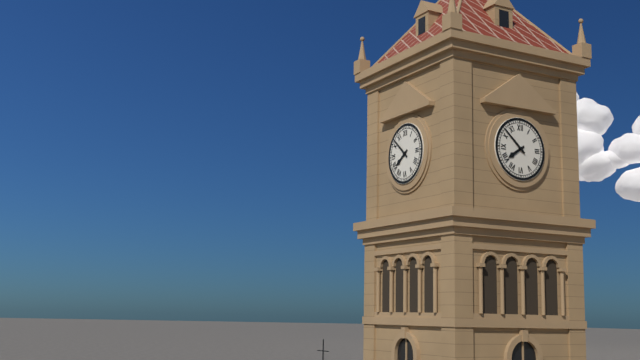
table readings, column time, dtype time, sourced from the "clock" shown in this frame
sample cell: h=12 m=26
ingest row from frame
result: h=7 m=52
